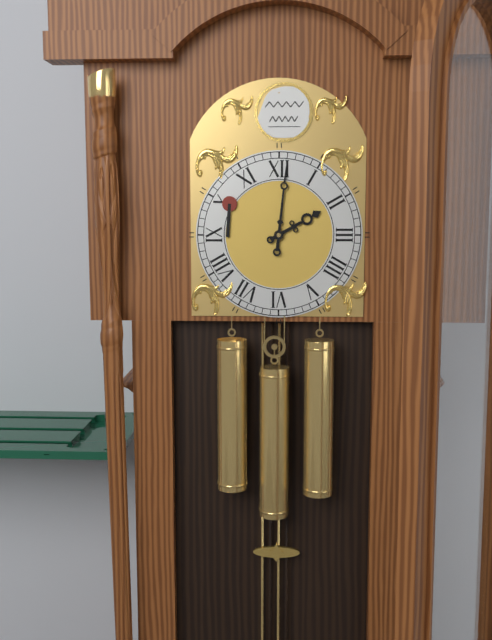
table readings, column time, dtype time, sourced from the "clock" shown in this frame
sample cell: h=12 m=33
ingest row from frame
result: h=2 m=1
